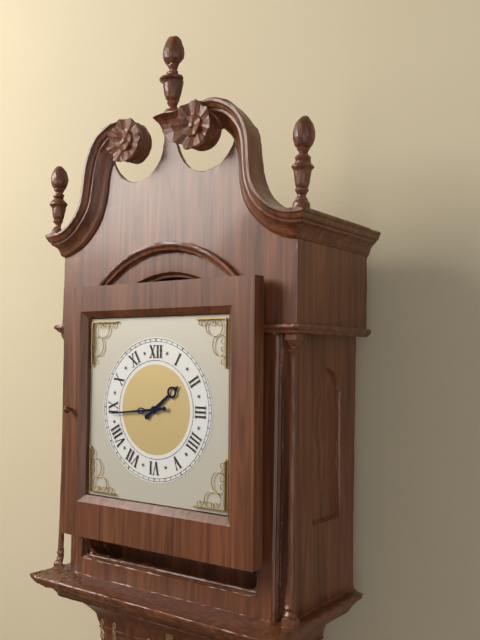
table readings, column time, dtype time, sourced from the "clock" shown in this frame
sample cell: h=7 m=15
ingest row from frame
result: h=1 m=44
